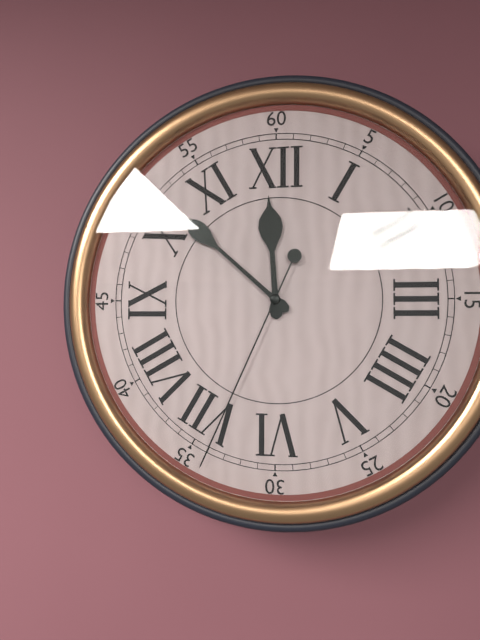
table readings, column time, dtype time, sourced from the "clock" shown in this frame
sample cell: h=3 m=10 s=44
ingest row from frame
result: h=11 m=52 s=34
